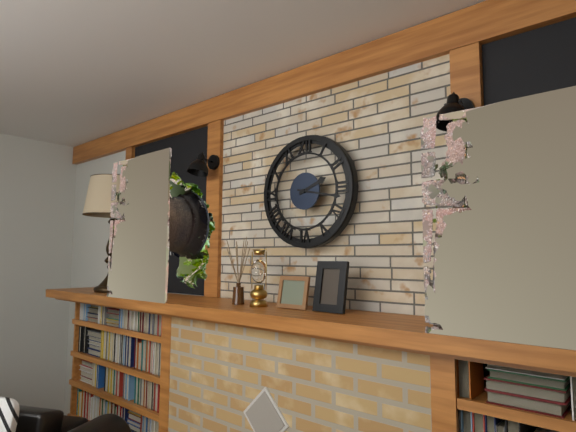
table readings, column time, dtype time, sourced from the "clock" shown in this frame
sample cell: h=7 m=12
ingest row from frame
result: h=2 m=17
